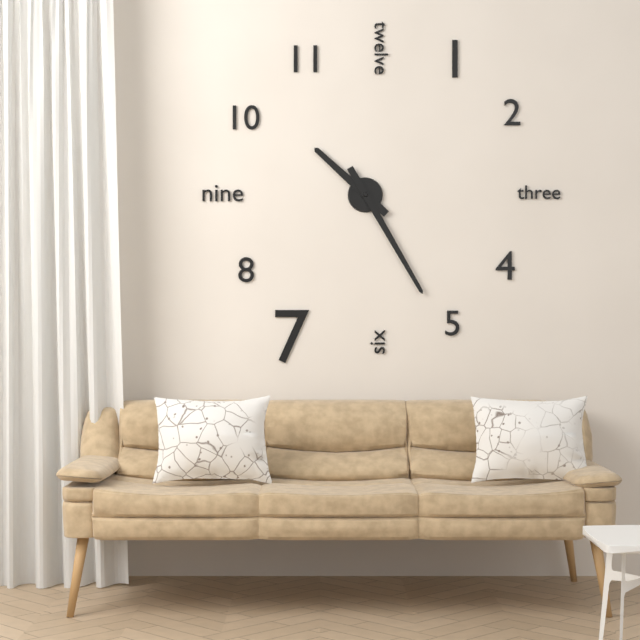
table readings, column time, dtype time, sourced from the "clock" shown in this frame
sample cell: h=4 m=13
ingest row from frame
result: h=10 m=25
